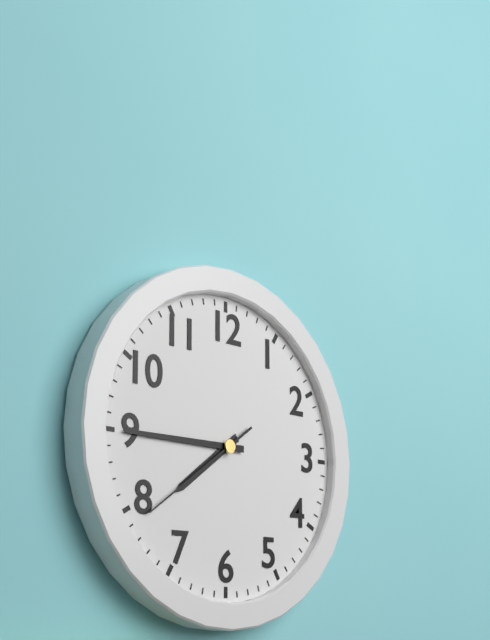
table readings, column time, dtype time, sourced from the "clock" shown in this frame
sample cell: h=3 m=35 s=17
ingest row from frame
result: h=7 m=45 s=39
